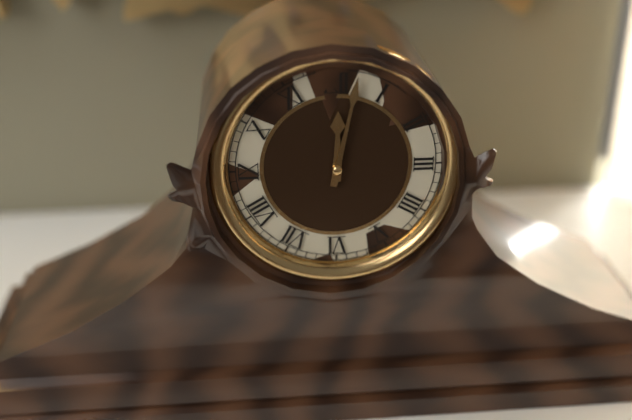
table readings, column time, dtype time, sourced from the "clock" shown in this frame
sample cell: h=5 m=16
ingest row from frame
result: h=12 m=2
